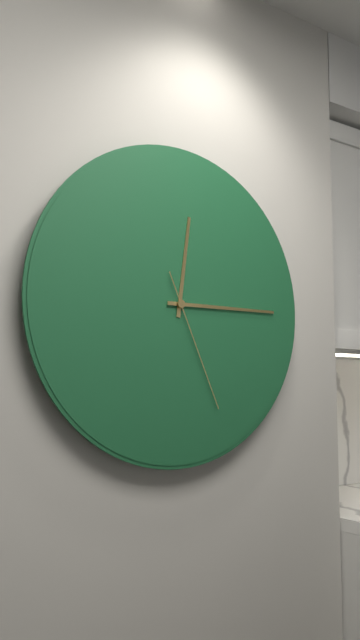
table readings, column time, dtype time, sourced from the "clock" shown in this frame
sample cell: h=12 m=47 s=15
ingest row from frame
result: h=12 m=15 s=26
